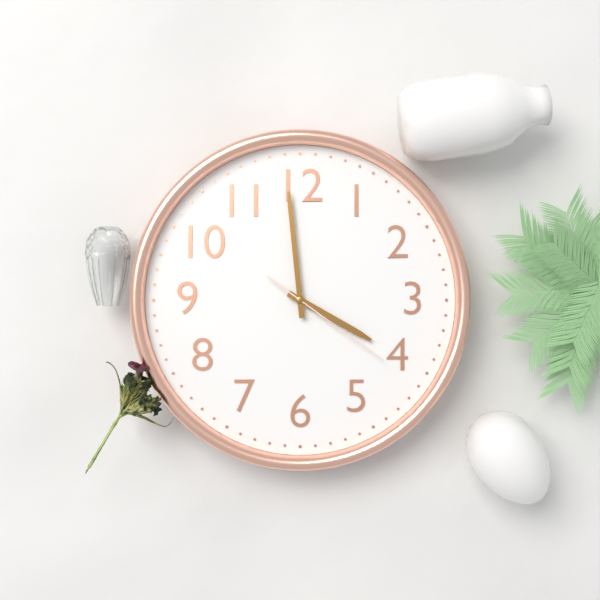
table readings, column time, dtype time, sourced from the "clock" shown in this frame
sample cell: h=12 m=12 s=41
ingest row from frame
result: h=3 m=59 s=21
